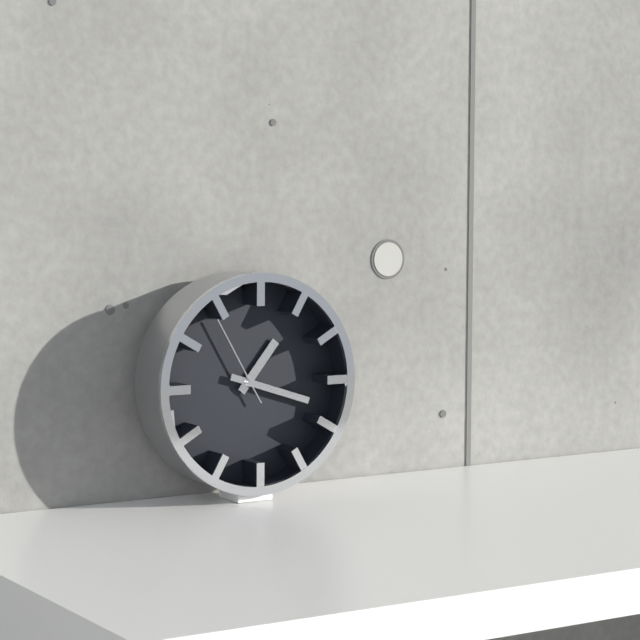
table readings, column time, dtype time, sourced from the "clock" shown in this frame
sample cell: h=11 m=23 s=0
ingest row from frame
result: h=1 m=18 s=55
